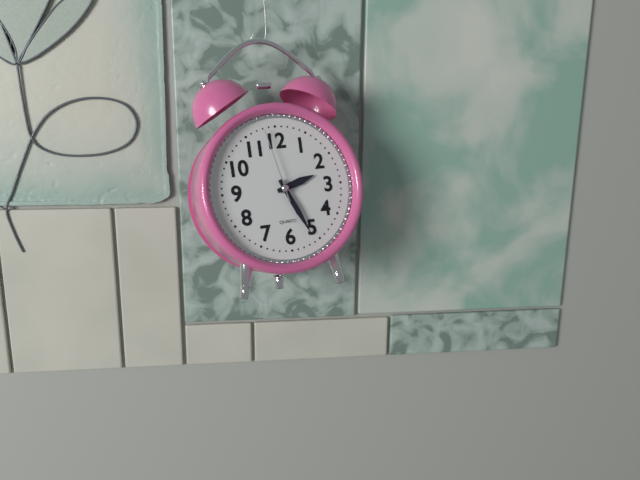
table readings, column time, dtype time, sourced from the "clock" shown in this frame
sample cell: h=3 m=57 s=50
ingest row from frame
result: h=2 m=26 s=58
